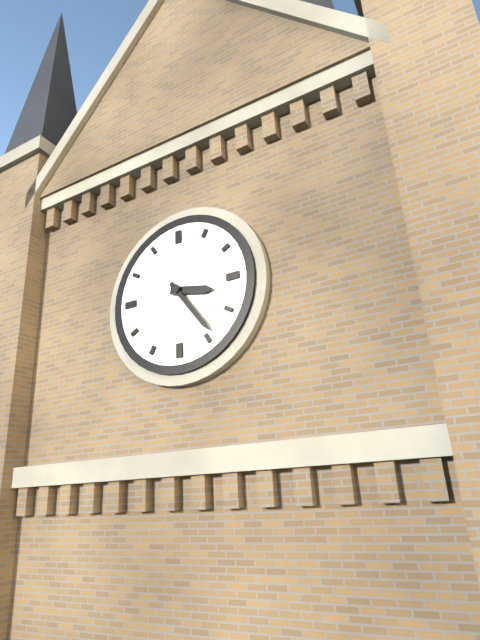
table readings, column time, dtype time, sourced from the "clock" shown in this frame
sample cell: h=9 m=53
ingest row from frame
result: h=3 m=24
